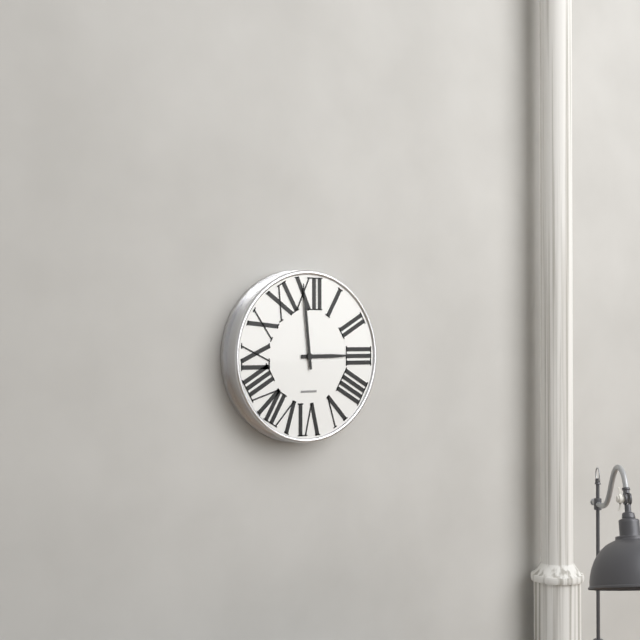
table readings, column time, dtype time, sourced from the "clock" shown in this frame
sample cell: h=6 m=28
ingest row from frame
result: h=2 m=59
